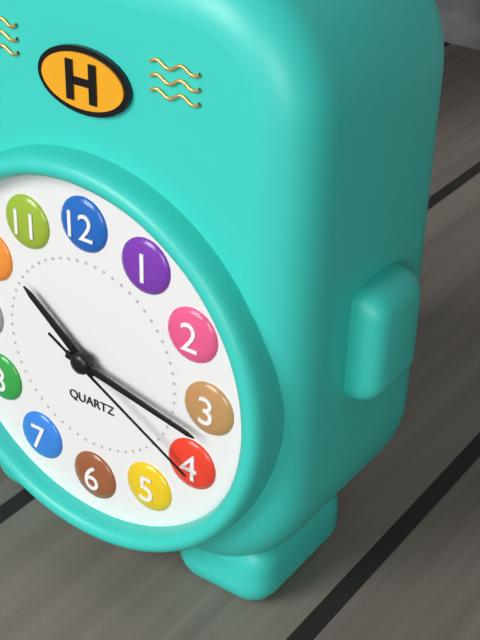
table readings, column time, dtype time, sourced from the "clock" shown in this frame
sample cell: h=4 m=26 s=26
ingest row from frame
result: h=10 m=17 s=20
